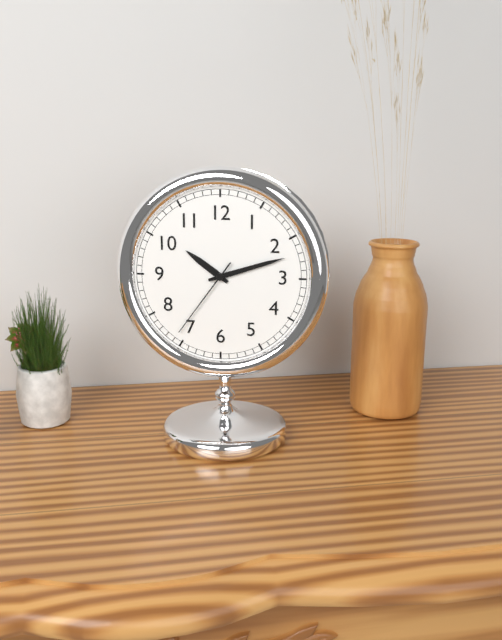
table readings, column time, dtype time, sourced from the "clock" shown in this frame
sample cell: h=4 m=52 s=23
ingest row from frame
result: h=10 m=12 s=36
